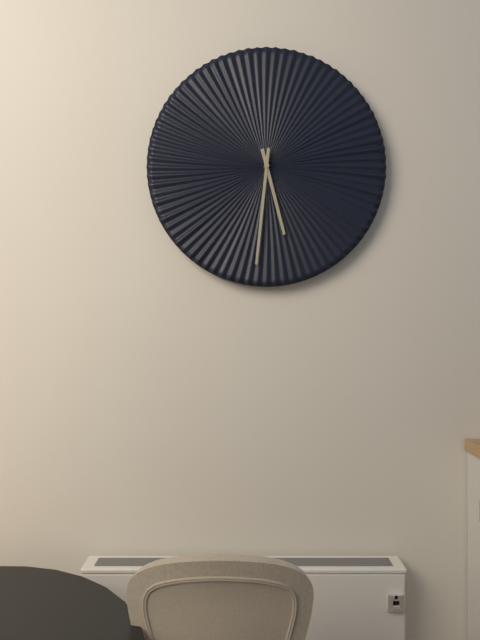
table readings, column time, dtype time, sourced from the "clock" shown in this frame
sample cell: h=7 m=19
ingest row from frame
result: h=5 m=31
